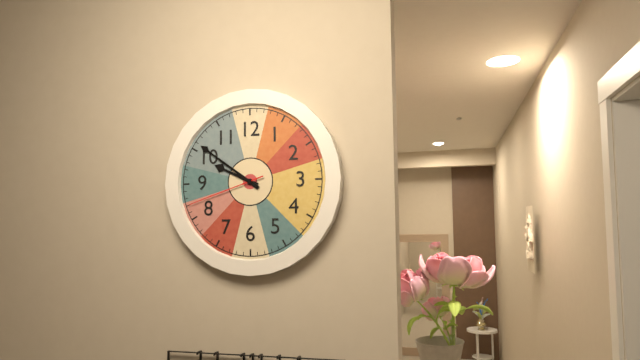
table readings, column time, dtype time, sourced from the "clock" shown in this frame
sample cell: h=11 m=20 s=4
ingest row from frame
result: h=9 m=51 s=42
